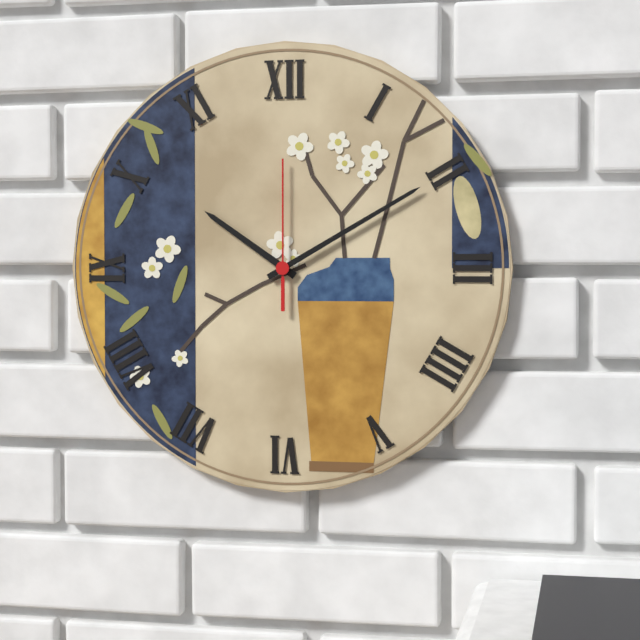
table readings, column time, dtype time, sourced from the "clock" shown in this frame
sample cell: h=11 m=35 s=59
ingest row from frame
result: h=10 m=10 s=0
